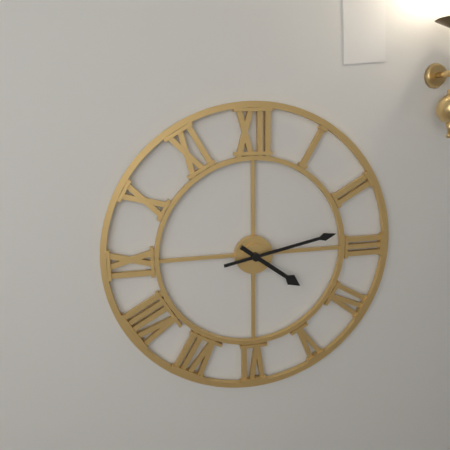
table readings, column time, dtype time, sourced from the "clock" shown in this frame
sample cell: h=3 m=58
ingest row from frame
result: h=4 m=13
